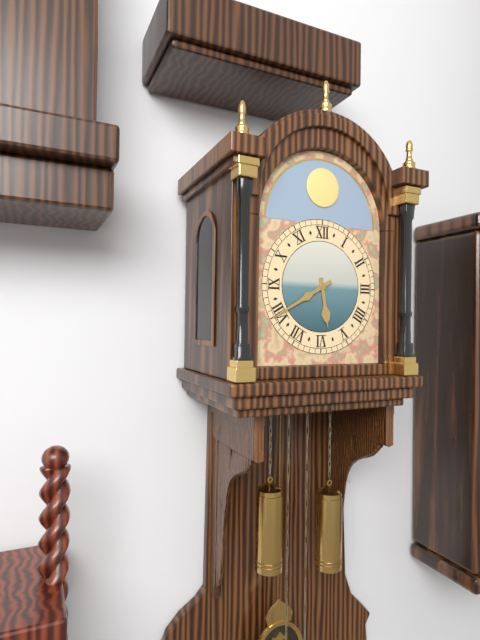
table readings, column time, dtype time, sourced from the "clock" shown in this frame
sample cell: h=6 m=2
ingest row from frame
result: h=5 m=40
